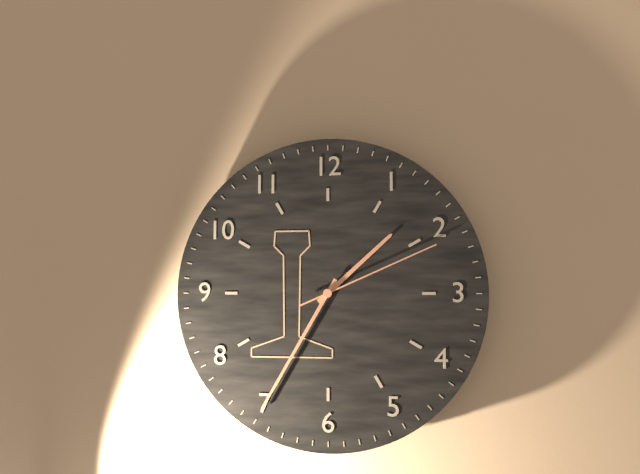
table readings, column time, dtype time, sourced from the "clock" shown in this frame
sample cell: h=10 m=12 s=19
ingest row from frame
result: h=1 m=35 s=11
